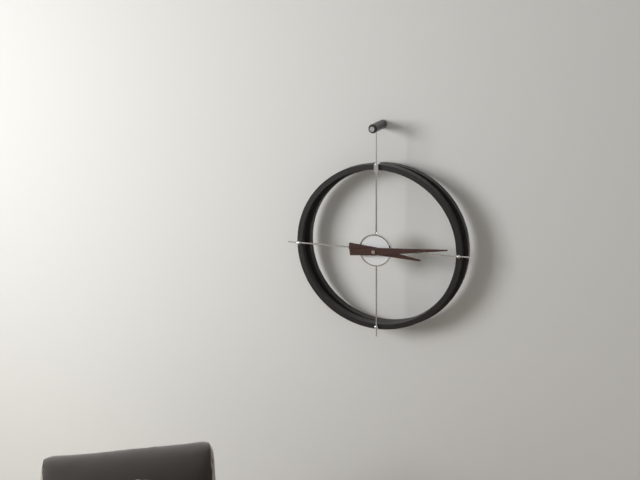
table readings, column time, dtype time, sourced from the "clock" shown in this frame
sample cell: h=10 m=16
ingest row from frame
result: h=3 m=14
